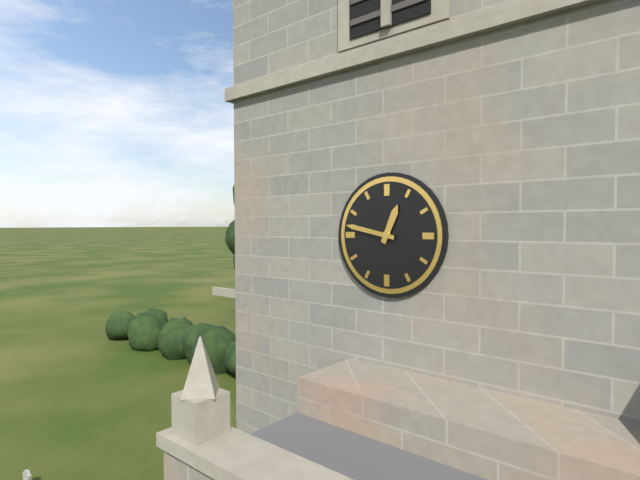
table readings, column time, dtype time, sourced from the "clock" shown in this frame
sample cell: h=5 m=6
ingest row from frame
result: h=12 m=47
